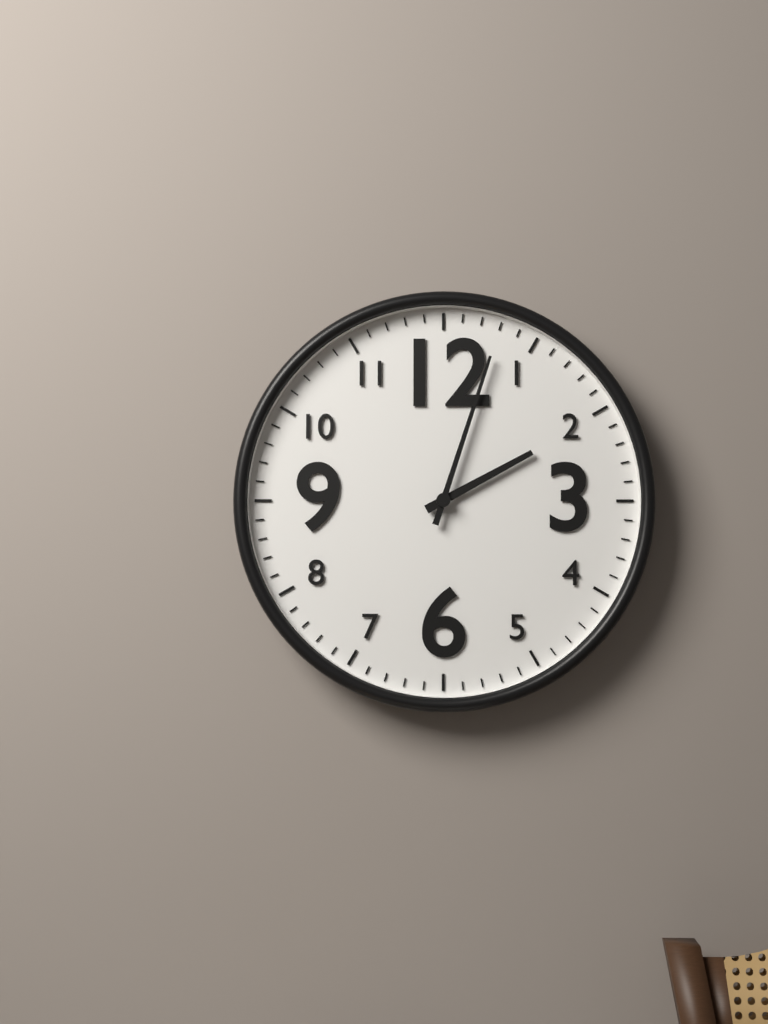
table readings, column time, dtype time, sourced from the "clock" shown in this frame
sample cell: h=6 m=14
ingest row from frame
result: h=2 m=3
